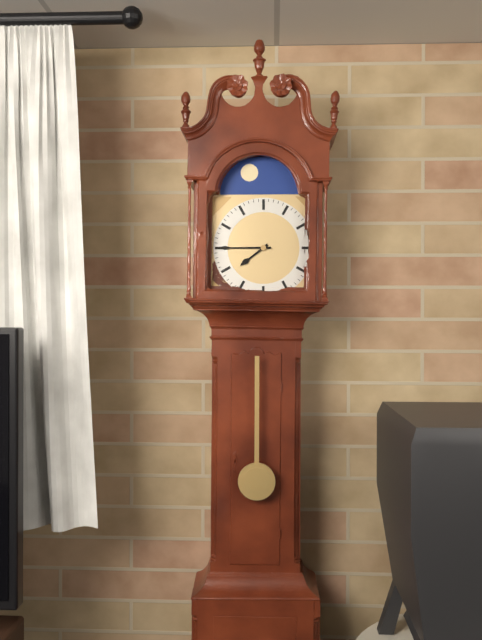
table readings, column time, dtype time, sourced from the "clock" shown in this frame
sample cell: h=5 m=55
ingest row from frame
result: h=7 m=45
